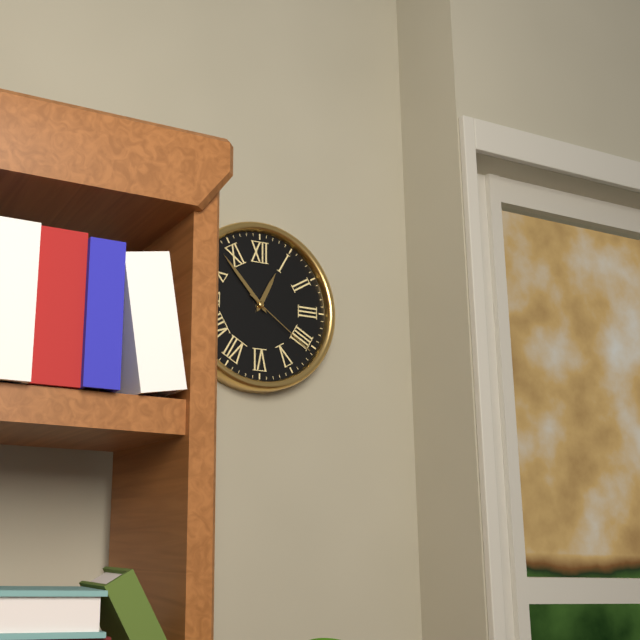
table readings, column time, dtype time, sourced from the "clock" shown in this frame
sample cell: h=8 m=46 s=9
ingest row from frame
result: h=12 m=53 s=21
